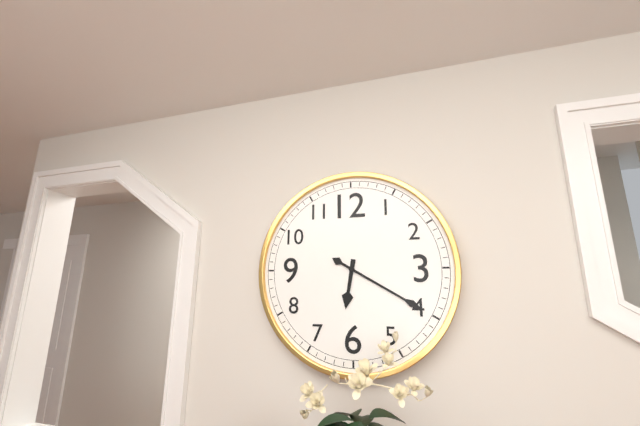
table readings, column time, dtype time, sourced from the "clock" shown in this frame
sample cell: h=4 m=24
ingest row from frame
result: h=6 m=20
